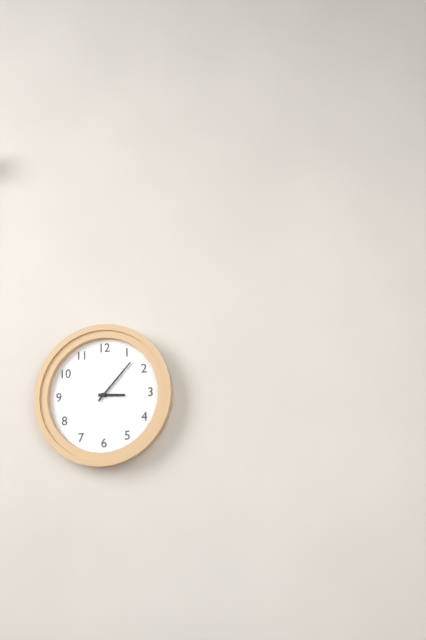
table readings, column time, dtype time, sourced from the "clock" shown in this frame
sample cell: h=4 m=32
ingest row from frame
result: h=3 m=7
